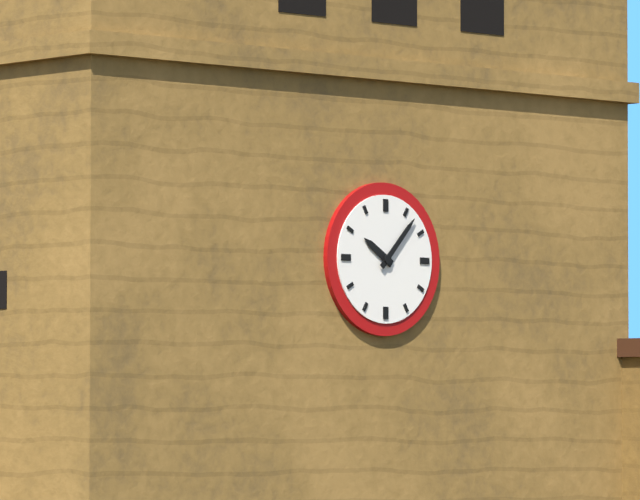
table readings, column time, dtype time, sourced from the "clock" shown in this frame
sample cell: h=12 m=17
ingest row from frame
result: h=10 m=7
